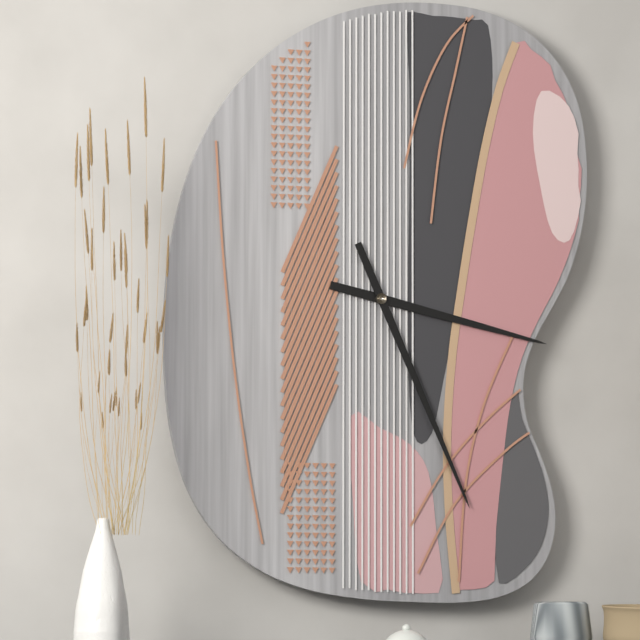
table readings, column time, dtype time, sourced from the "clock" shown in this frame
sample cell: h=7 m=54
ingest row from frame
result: h=3 m=26
